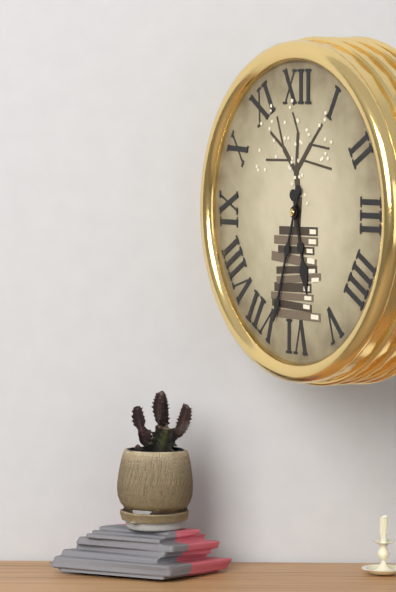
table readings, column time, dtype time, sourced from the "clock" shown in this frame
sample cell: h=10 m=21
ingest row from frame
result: h=5 m=33
